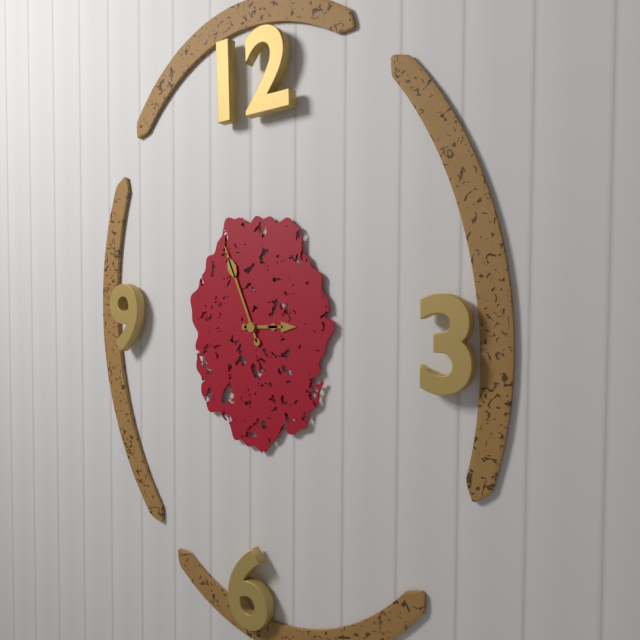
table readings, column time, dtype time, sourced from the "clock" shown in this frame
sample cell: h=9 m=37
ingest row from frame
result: h=2 m=56
